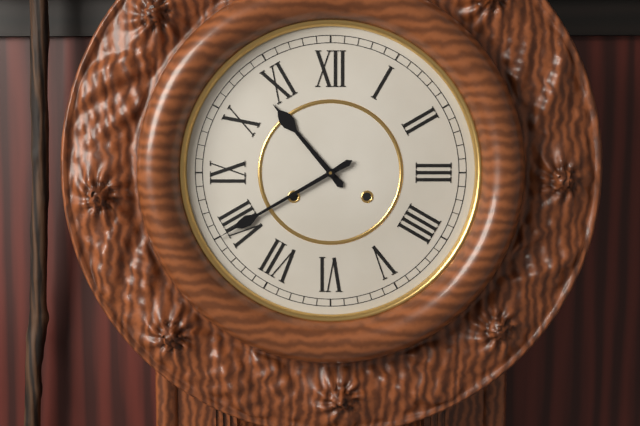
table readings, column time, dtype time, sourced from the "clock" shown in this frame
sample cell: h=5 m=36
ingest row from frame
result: h=10 m=40
